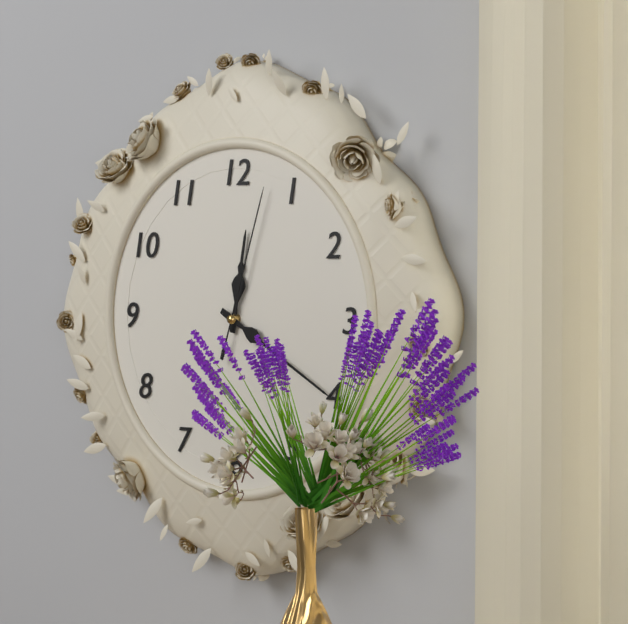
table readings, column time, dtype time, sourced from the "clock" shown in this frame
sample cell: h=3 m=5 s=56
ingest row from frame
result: h=12 m=20 s=3
